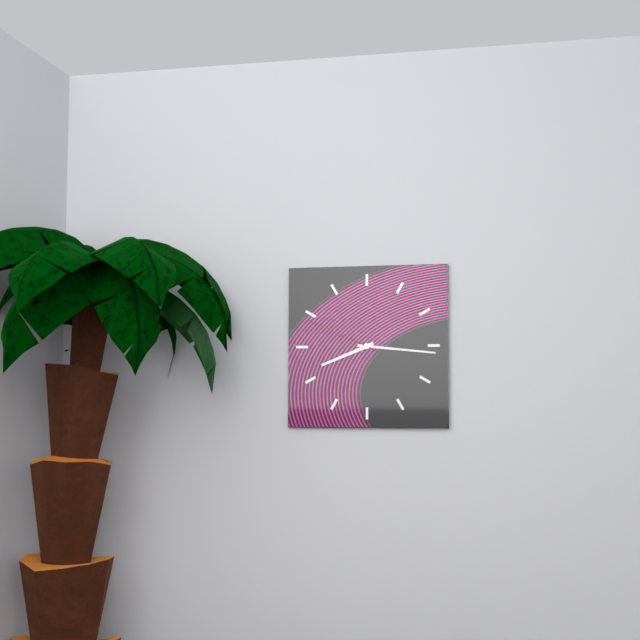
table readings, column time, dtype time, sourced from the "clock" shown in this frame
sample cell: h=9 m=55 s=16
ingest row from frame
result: h=8 m=16 s=49
